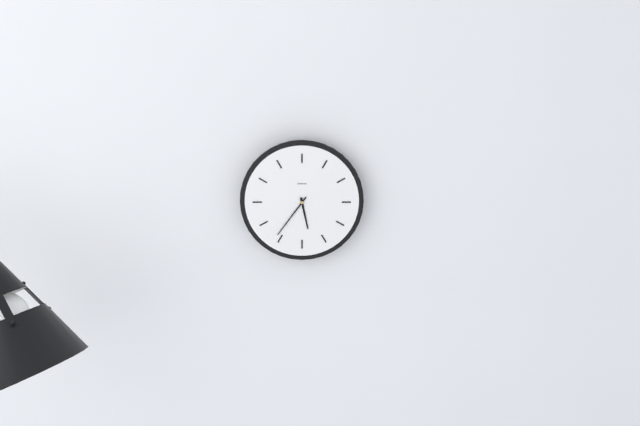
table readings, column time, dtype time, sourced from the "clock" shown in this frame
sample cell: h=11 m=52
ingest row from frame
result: h=5 m=36
